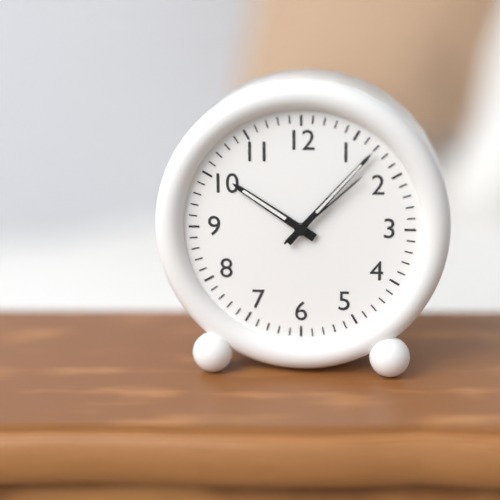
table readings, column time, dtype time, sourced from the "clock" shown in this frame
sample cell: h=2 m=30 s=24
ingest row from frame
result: h=10 m=7 s=8
